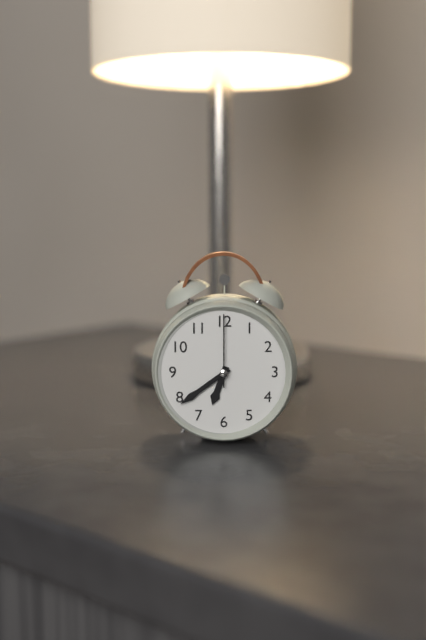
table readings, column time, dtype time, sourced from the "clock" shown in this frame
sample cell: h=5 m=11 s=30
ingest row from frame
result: h=6 m=39 s=0
